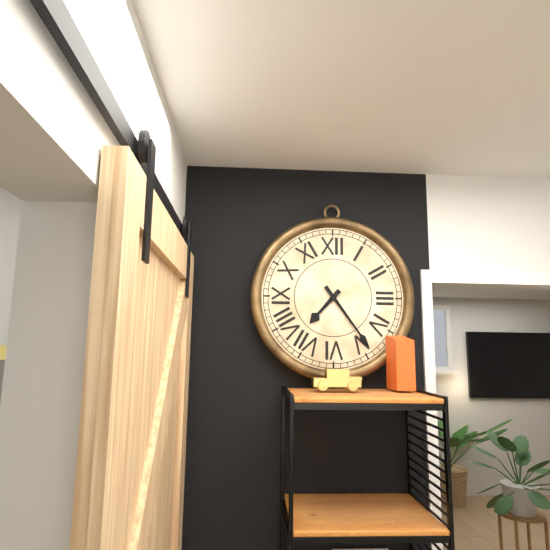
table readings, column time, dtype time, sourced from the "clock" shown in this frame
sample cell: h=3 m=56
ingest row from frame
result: h=7 m=24
